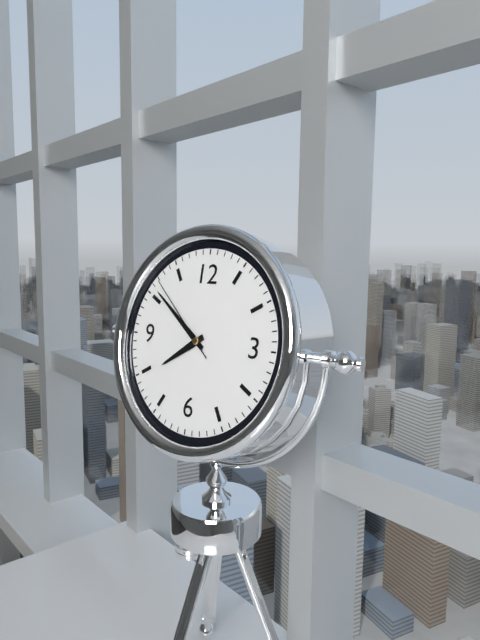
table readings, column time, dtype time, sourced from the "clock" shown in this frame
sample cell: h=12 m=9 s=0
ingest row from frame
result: h=7 m=51 s=52
